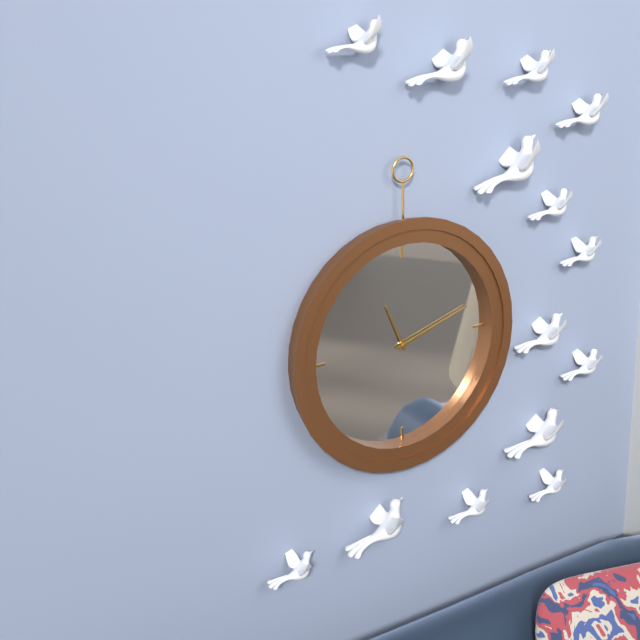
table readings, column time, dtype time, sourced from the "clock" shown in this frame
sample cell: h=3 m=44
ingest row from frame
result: h=11 m=12
